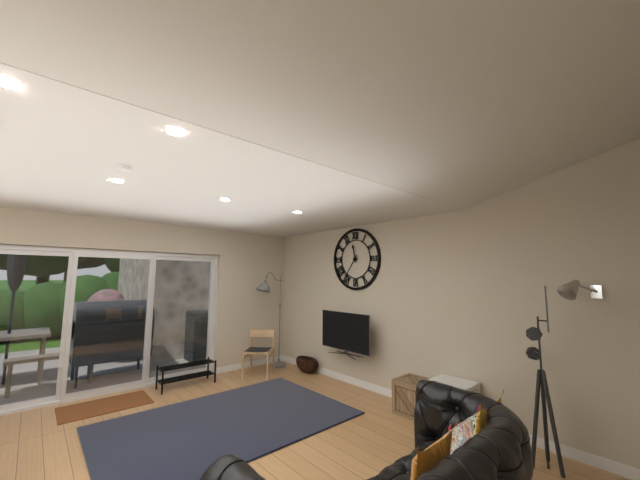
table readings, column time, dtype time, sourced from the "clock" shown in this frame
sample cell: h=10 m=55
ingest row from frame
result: h=11 m=36
